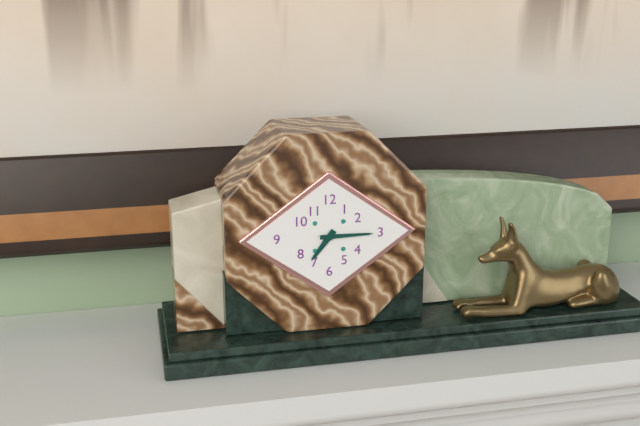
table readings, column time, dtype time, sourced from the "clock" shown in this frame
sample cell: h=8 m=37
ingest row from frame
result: h=7 m=15
